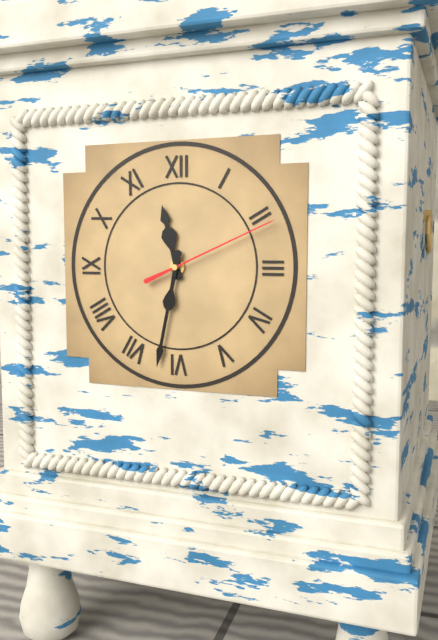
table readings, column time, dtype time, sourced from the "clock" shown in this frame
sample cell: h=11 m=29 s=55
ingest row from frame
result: h=11 m=32 s=11
